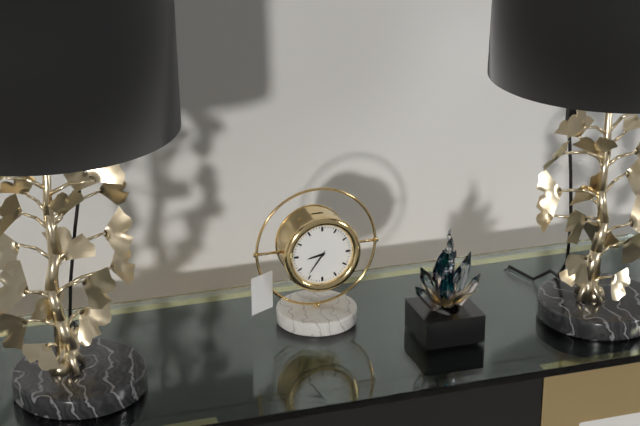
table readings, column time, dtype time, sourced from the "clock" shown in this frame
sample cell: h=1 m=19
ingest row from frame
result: h=8 m=36
